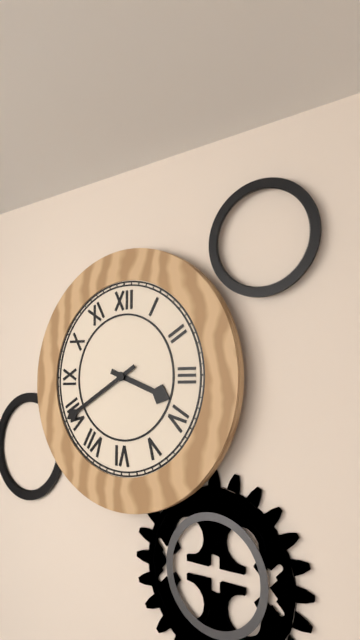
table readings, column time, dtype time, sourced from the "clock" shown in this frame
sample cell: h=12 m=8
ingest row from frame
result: h=3 m=40
